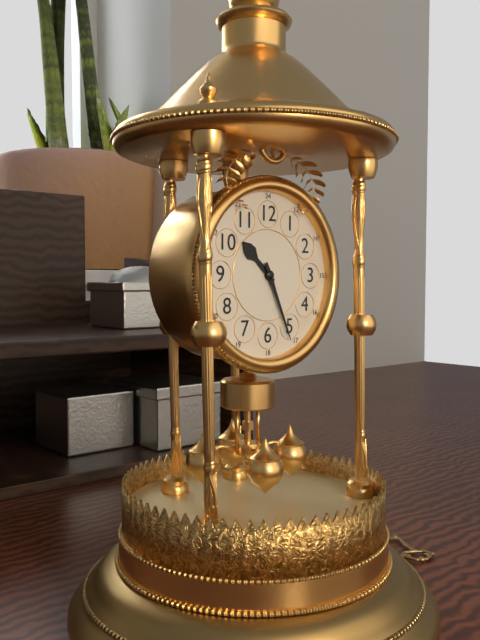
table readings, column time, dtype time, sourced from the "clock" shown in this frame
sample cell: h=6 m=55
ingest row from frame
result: h=10 m=26
